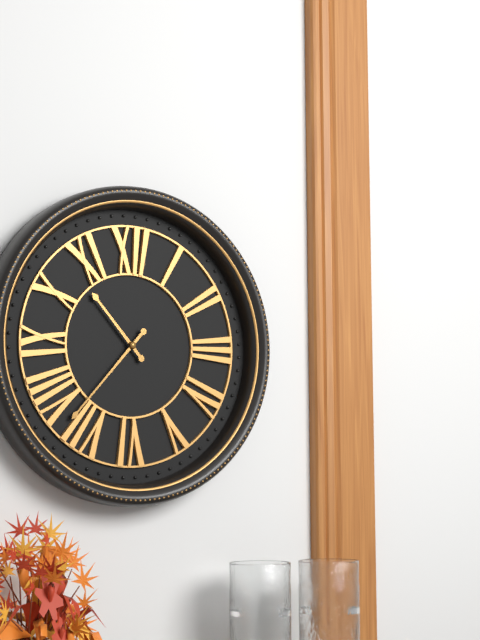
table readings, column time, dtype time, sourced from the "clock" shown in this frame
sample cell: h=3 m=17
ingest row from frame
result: h=10 m=37
